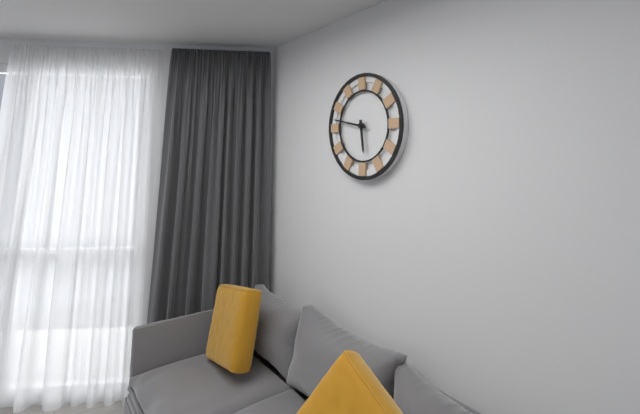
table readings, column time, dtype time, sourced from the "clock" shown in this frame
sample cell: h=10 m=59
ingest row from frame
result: h=5 m=47
